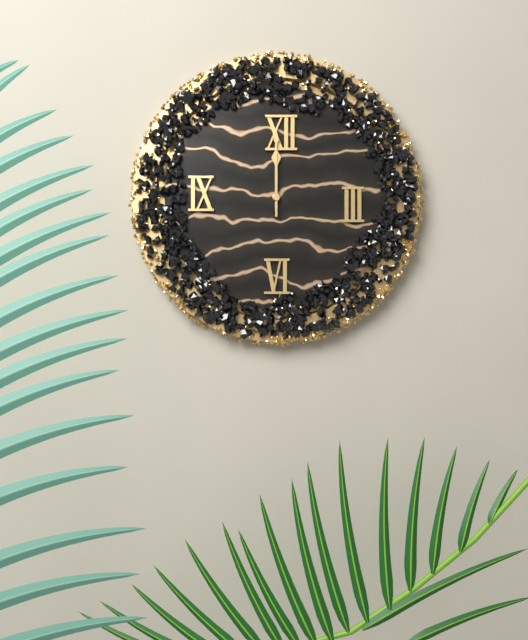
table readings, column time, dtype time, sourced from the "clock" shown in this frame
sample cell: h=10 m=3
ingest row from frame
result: h=12 m=0
